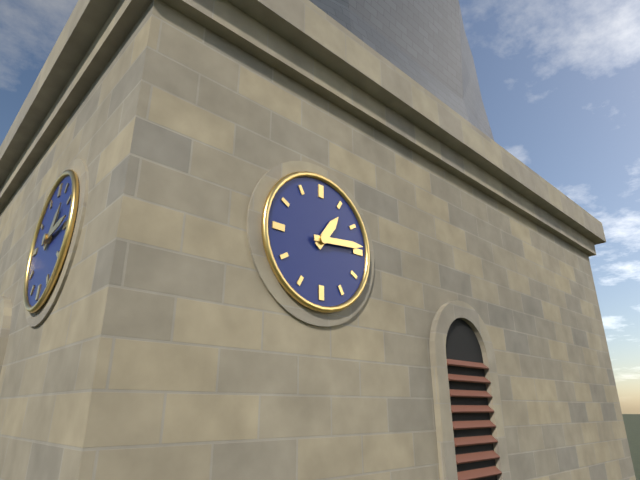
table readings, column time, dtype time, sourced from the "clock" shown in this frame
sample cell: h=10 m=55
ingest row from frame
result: h=1 m=14
